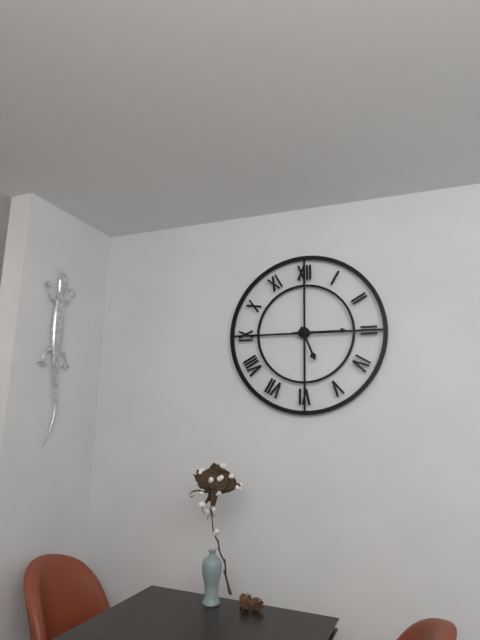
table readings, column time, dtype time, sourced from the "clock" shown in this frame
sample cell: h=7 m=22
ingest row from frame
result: h=5 m=15
